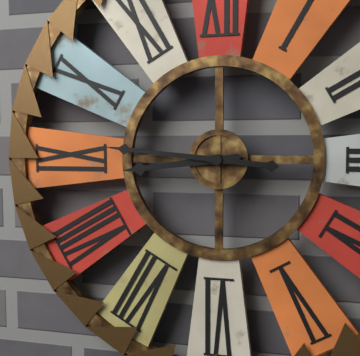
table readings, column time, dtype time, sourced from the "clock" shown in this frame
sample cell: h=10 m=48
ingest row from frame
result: h=8 m=46
